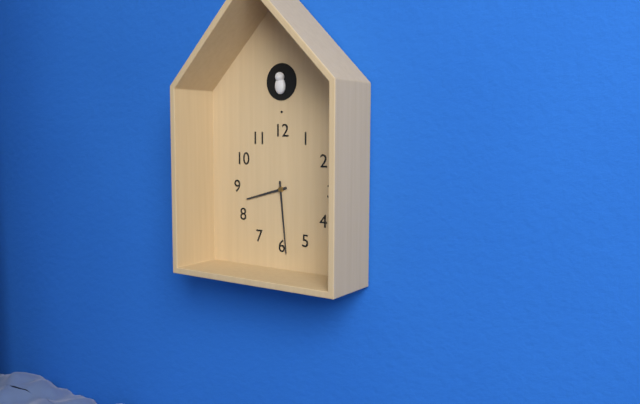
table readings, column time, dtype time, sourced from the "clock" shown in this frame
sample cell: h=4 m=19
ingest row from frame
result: h=8 m=29
